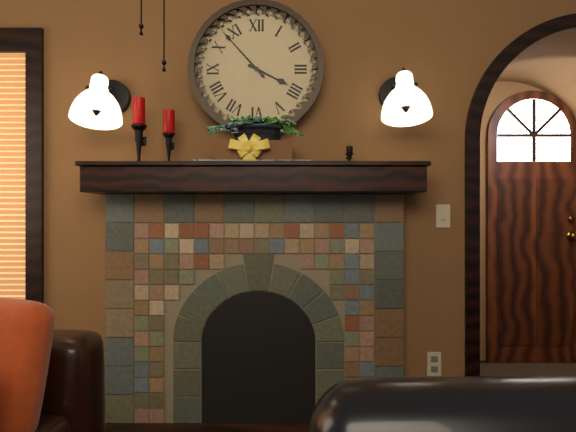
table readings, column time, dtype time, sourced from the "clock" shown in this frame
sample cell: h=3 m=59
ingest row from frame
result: h=3 m=53
